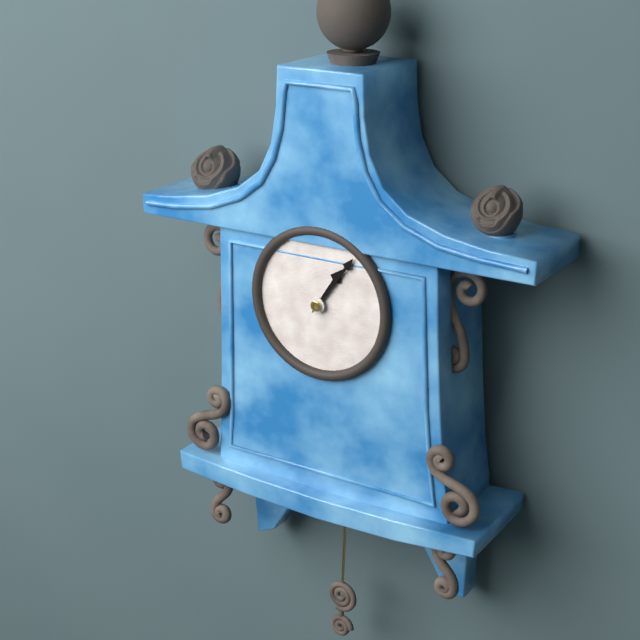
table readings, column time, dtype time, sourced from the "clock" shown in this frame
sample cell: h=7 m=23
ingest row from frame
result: h=1 m=6
